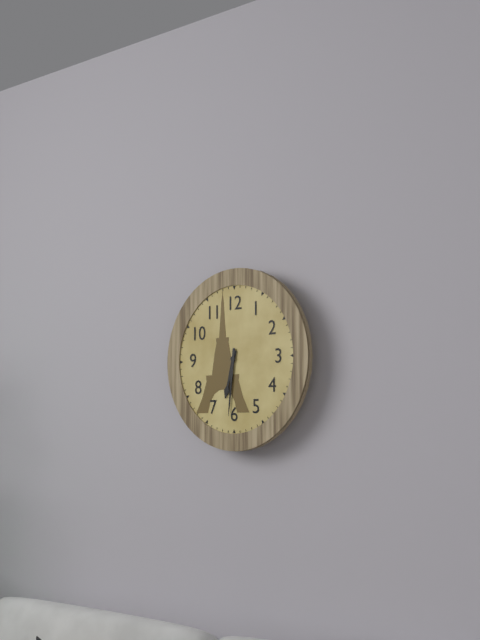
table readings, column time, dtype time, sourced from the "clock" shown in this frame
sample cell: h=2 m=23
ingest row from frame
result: h=6 m=31
